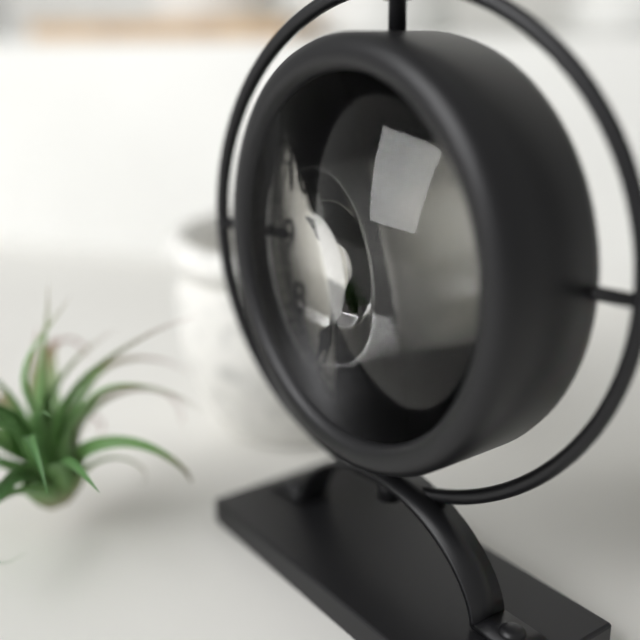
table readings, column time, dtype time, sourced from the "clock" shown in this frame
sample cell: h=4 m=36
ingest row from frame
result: h=9 m=35
